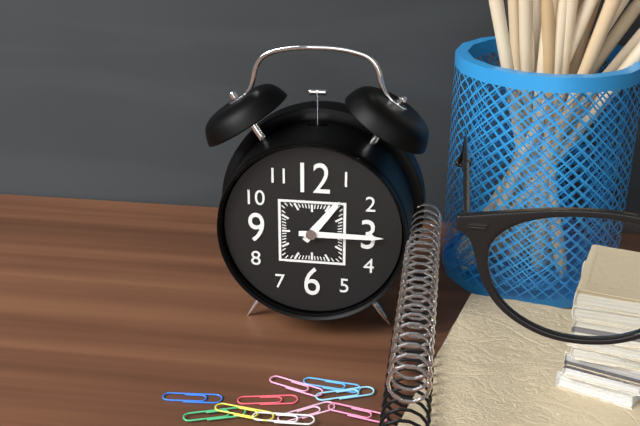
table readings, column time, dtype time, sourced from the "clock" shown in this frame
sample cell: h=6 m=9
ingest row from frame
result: h=1 m=15
